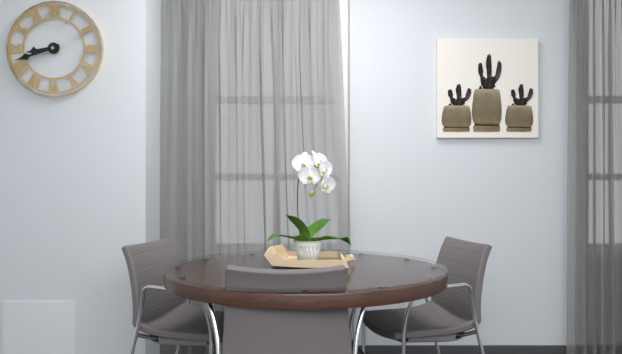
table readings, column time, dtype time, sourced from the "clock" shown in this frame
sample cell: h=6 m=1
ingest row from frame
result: h=8 m=42
